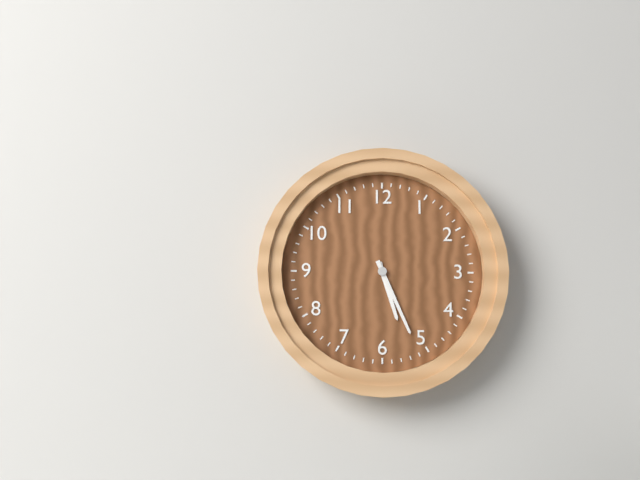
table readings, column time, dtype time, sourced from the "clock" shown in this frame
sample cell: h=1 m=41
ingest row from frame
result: h=5 m=26
